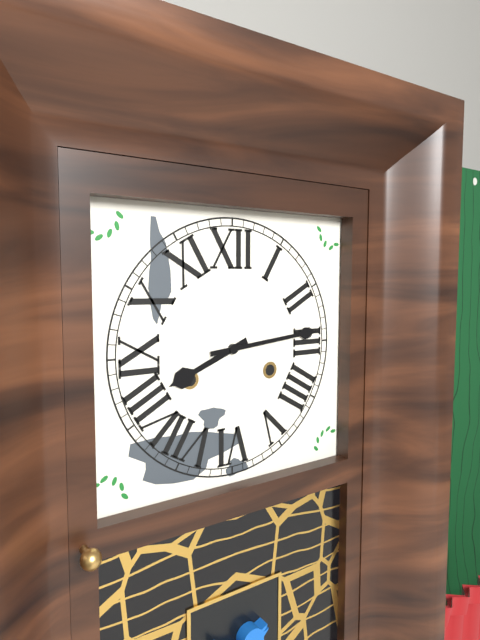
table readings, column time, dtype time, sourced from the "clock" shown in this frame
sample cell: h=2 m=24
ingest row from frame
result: h=8 m=14
